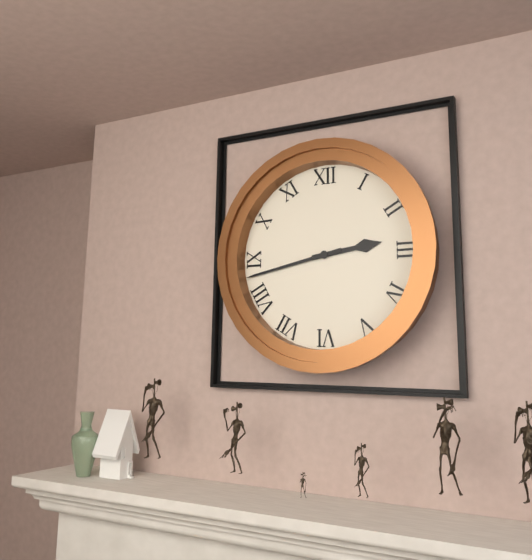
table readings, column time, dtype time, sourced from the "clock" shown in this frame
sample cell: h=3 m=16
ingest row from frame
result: h=2 m=43
